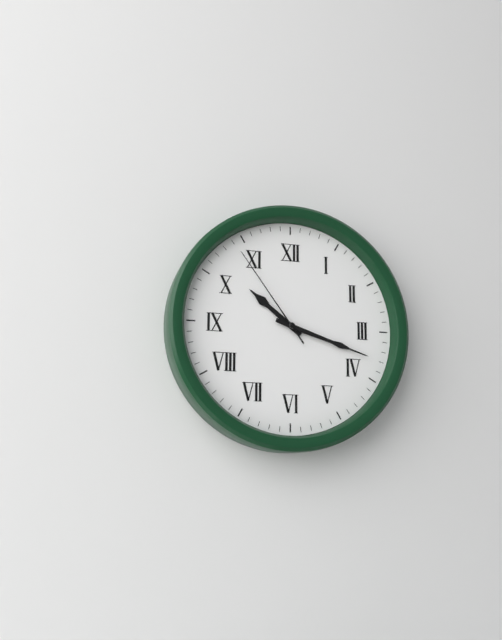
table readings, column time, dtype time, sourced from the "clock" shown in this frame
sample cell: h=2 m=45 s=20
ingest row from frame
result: h=10 m=18 s=54
